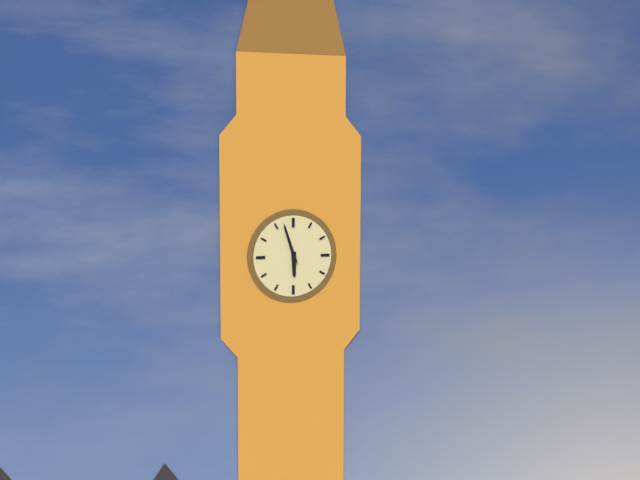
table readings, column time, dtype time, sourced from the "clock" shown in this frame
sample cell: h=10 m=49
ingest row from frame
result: h=5 m=57
